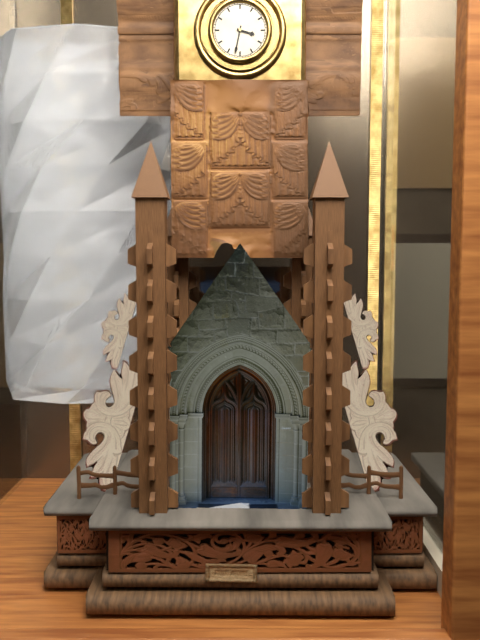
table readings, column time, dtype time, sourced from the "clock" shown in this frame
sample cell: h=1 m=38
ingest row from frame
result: h=3 m=32
